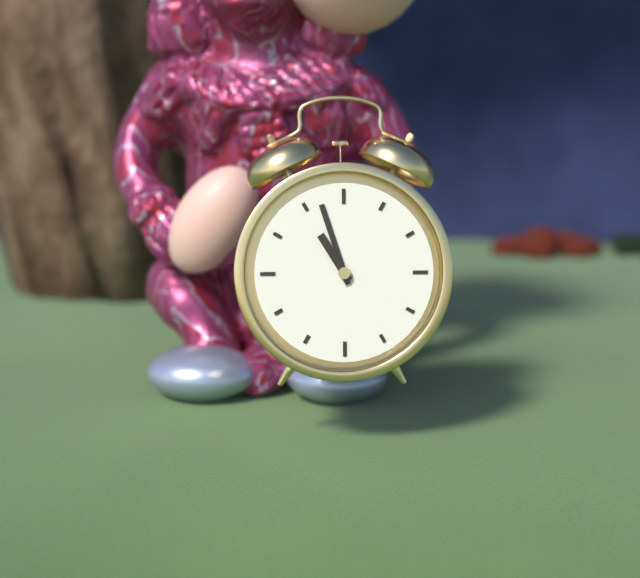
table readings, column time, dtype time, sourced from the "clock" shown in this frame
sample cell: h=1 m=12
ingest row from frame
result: h=10 m=57
